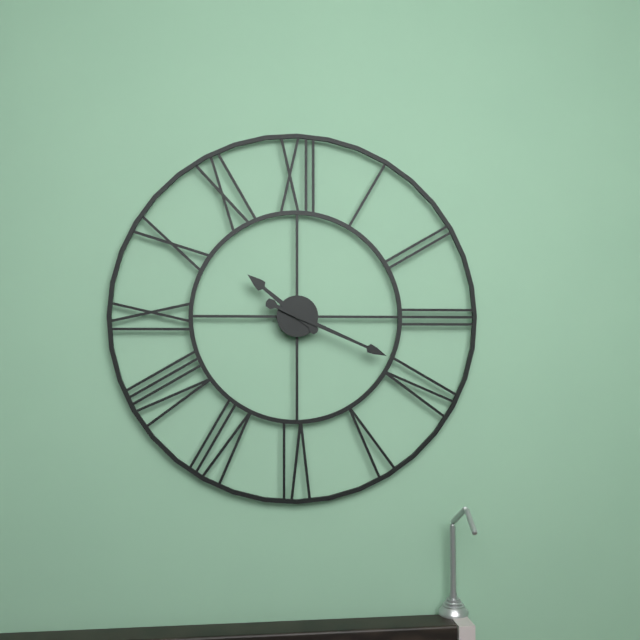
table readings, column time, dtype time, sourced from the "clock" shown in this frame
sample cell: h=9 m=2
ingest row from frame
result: h=10 m=19
